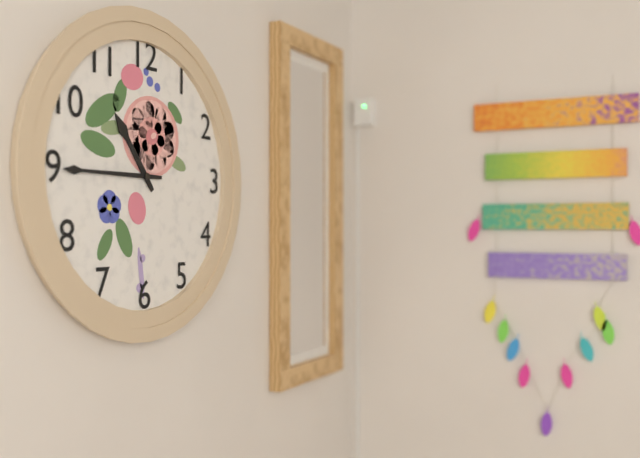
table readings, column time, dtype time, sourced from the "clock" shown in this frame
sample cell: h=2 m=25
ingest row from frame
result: h=10 m=45
